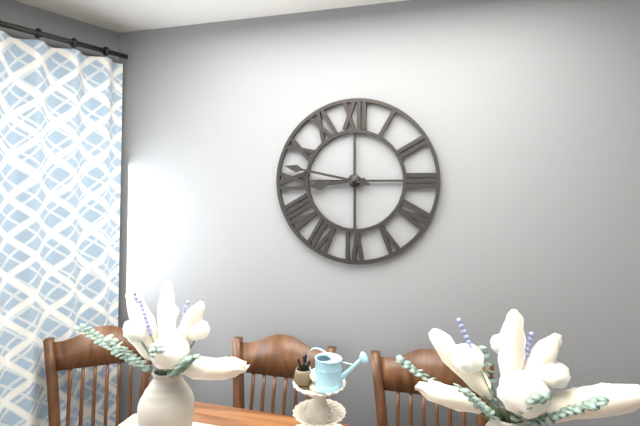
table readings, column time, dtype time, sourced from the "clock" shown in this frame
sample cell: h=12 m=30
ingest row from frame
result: h=8 m=47
